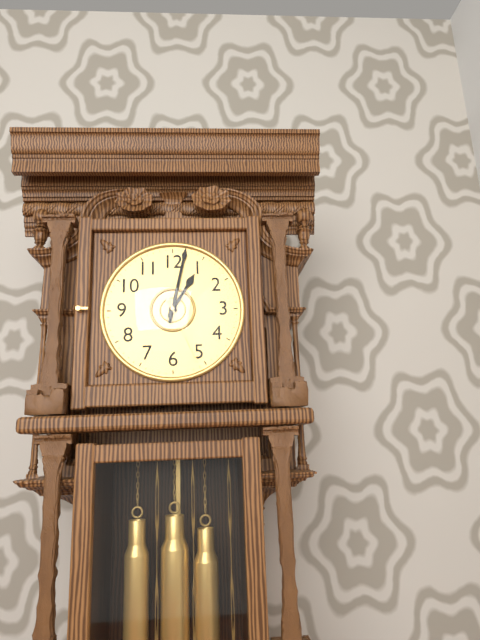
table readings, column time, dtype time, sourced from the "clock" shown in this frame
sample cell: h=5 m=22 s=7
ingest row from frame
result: h=1 m=2 s=26
